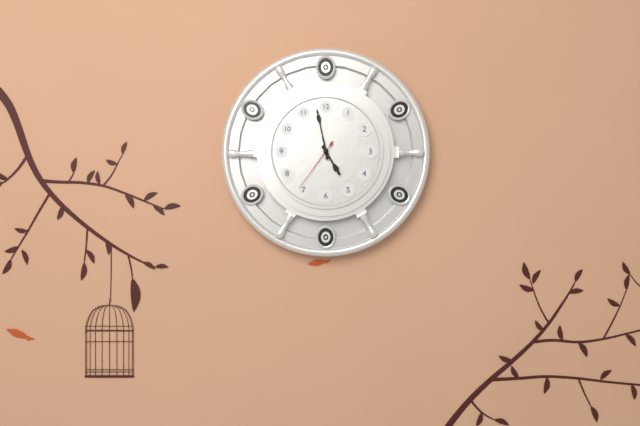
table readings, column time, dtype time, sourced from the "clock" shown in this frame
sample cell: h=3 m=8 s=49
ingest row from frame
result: h=4 m=58 s=36
